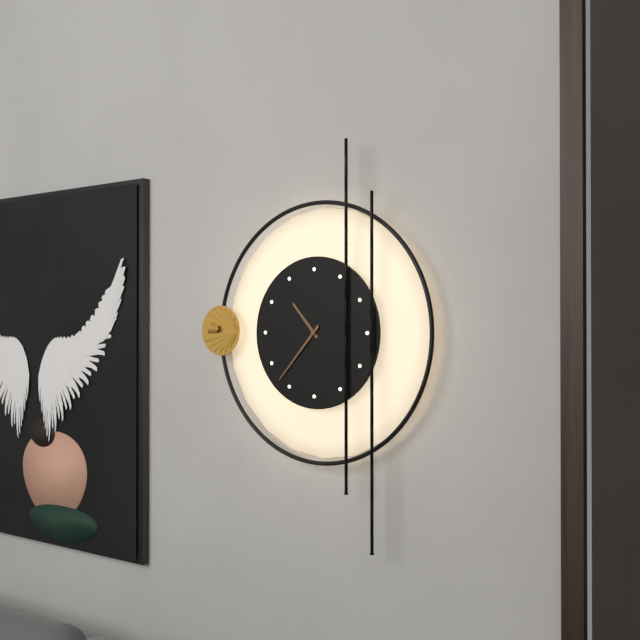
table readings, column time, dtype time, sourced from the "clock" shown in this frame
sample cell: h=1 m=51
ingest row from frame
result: h=10 m=37
